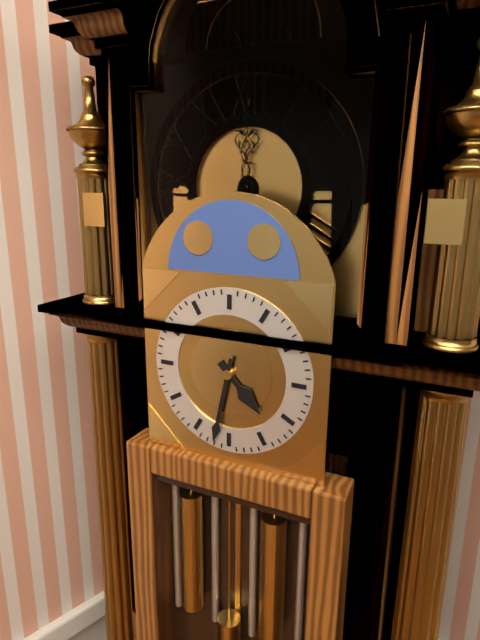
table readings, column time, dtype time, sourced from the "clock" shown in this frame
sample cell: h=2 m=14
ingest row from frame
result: h=4 m=32
